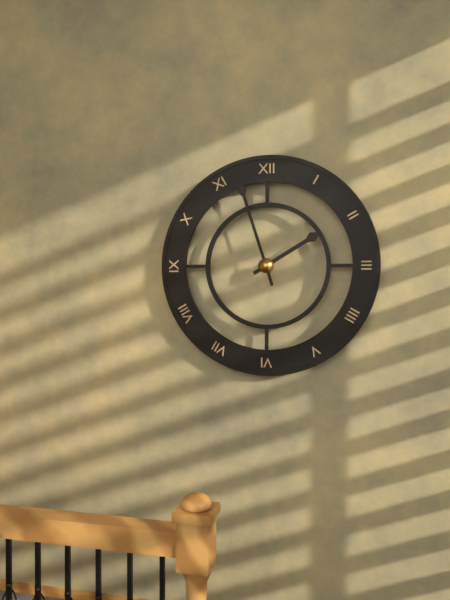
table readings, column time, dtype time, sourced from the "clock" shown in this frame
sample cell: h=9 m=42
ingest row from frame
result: h=1 m=57
